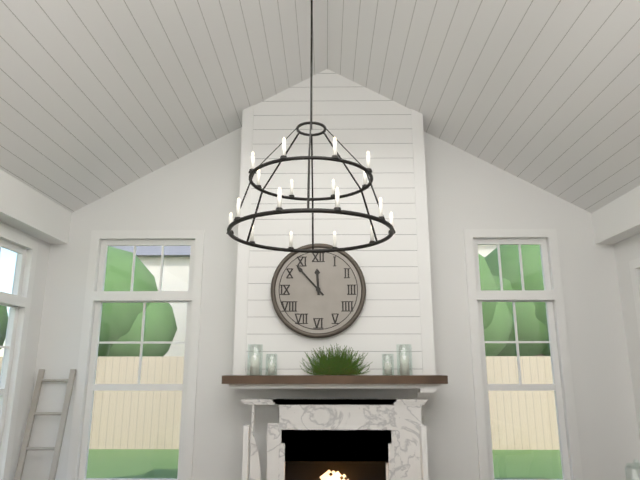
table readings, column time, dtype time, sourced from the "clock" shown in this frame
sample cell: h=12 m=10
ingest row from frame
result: h=11 m=53
